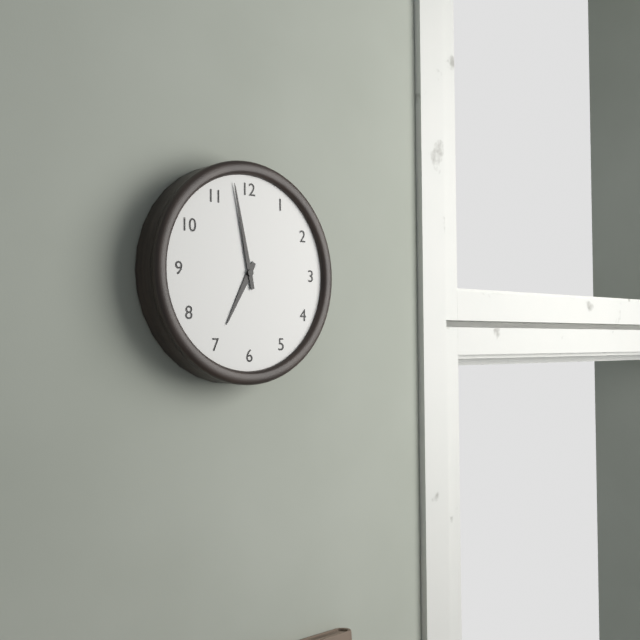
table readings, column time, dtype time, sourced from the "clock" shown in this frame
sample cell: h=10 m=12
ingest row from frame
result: h=6 m=58
